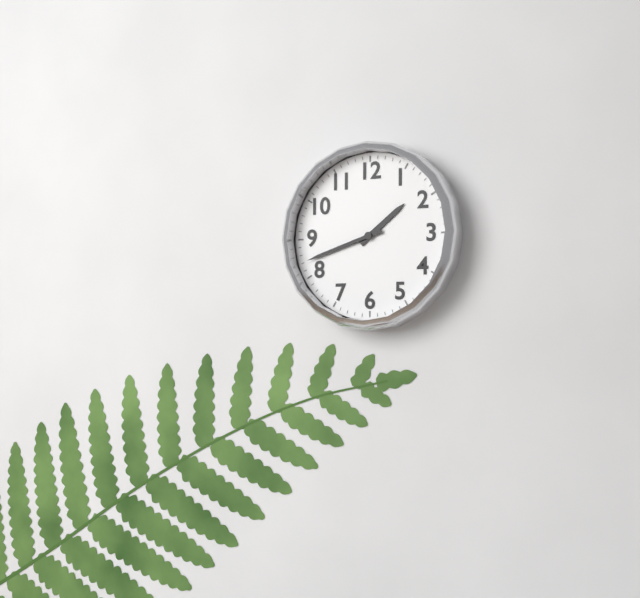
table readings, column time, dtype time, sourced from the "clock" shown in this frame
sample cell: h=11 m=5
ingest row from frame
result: h=1 m=42
